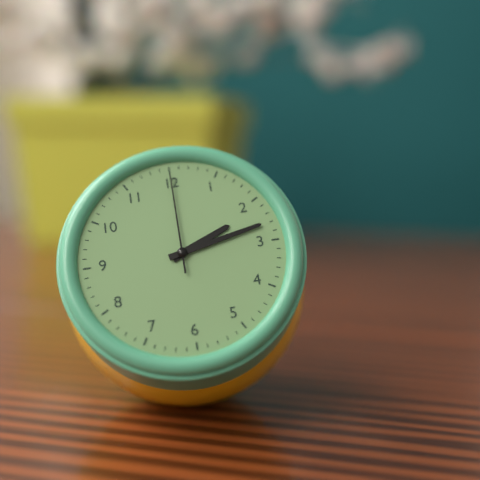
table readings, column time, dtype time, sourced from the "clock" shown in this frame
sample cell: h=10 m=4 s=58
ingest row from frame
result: h=2 m=13 s=0
